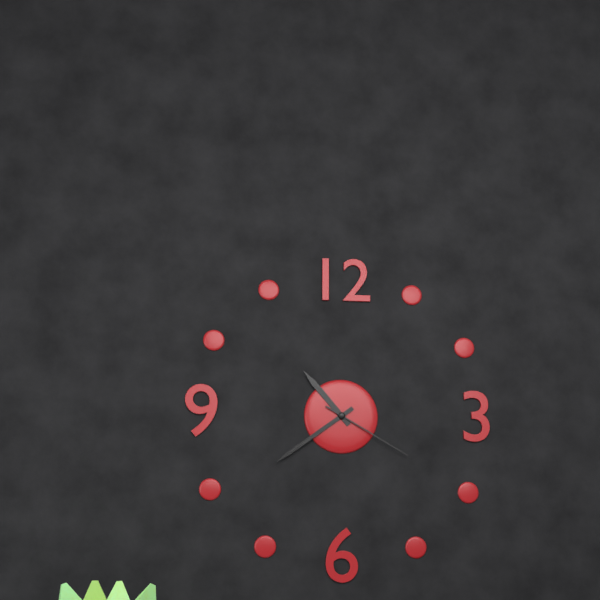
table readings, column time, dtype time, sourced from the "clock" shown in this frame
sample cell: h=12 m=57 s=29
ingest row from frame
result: h=10 m=39 s=20
